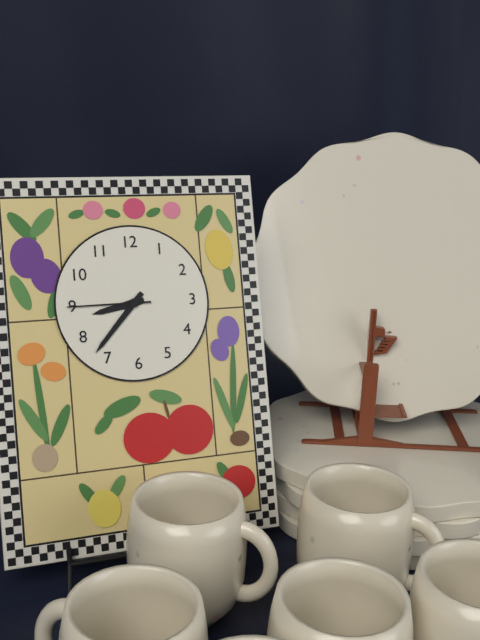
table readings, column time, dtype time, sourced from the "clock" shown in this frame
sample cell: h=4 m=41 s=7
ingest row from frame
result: h=8 m=37 s=45
